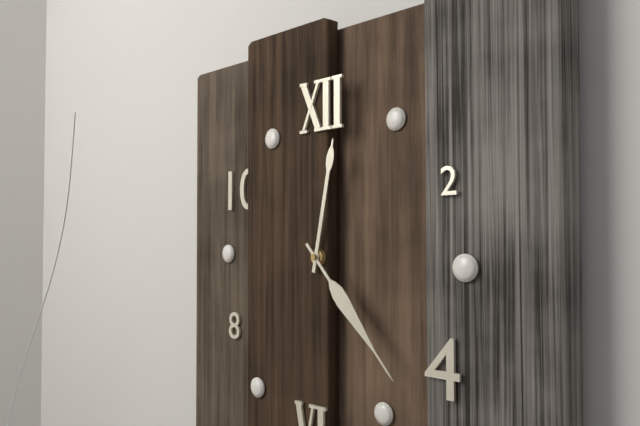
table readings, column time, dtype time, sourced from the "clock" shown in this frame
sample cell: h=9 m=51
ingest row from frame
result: h=12 m=23
